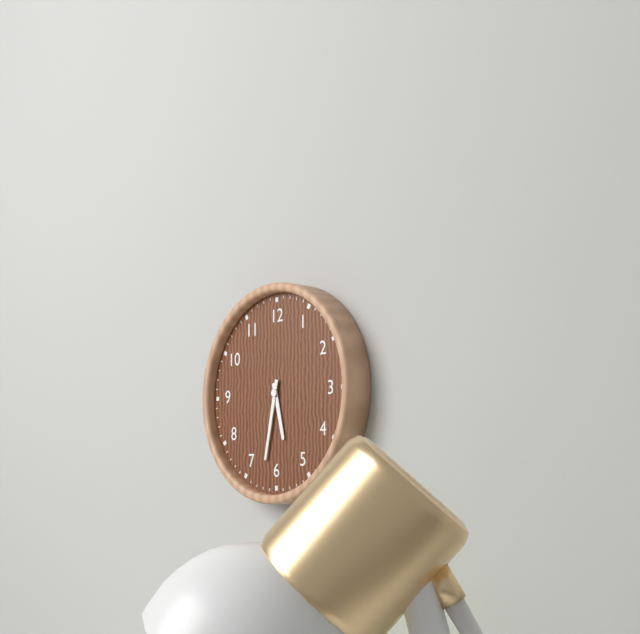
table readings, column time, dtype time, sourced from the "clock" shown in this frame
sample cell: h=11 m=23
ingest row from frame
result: h=5 m=32
